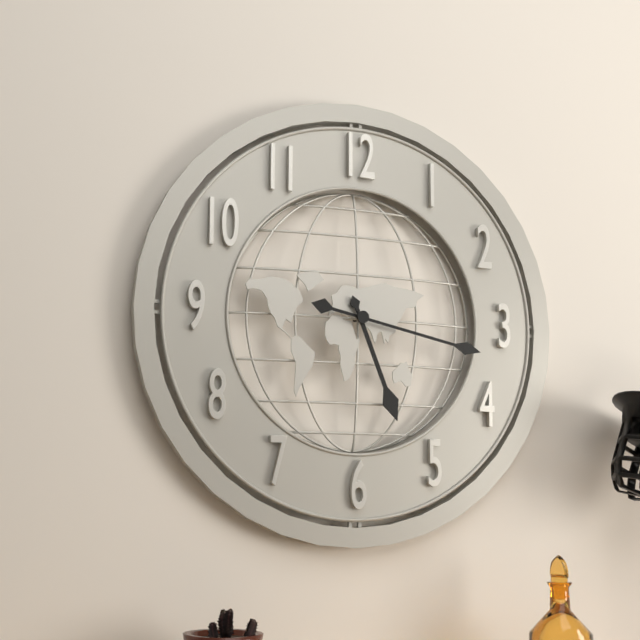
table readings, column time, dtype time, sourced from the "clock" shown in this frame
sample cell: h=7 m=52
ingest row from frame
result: h=5 m=17
